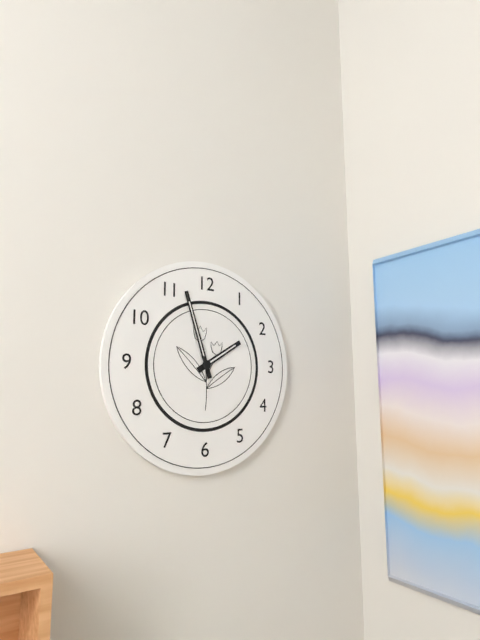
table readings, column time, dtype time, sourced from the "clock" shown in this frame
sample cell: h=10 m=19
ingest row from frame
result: h=1 m=57
